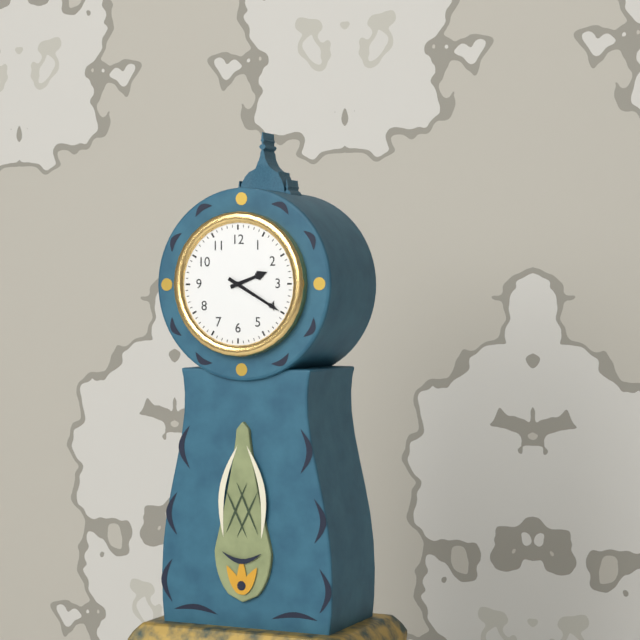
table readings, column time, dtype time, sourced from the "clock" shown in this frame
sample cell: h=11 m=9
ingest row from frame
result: h=2 m=20
